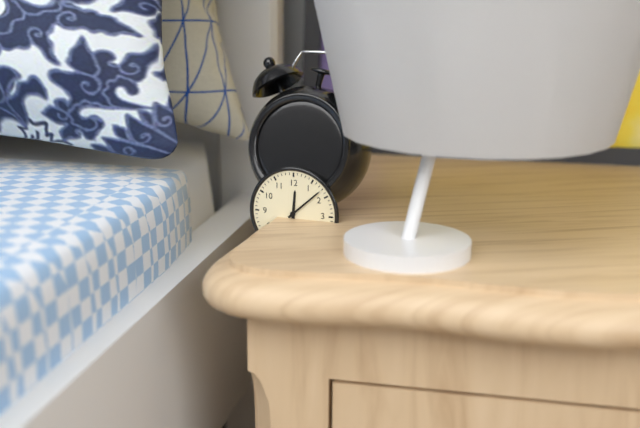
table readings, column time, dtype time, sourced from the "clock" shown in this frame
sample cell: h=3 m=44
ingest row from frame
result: h=12 m=8
